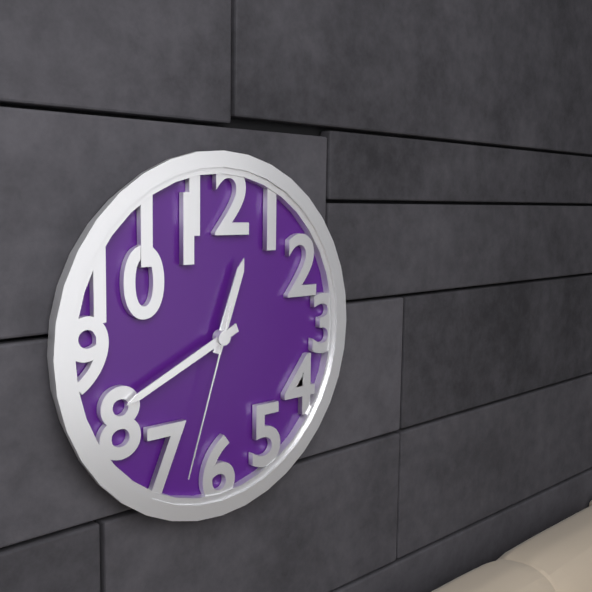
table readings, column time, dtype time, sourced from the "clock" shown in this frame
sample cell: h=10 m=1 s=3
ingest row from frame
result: h=12 m=41 s=33
